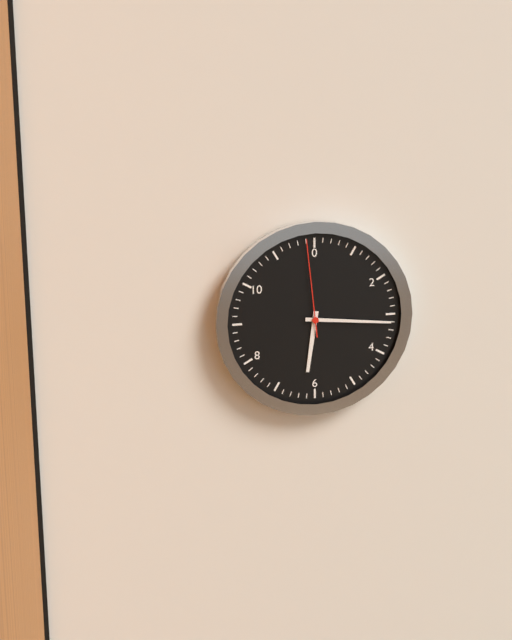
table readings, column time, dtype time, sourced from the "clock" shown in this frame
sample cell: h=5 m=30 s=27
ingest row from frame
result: h=6 m=16 s=59
